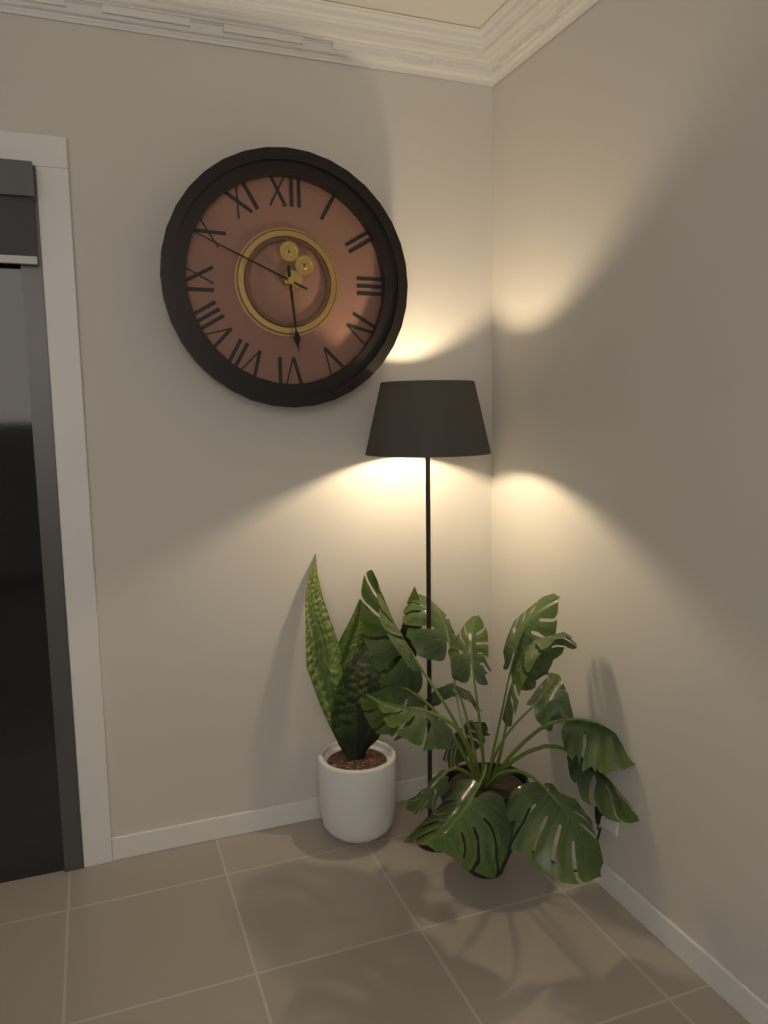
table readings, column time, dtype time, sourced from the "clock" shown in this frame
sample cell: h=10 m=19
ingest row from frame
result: h=5 m=49
